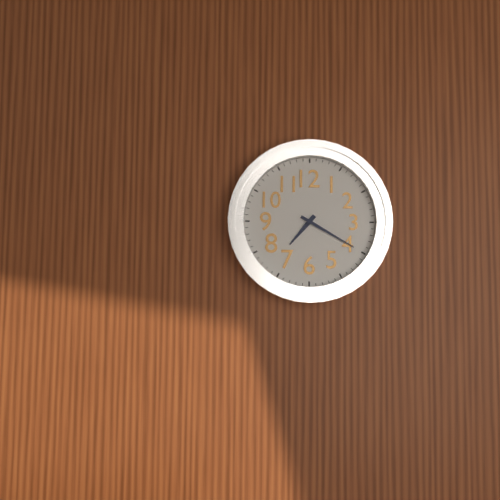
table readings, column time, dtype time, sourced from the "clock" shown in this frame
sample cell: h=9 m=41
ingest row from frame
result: h=7 m=20
